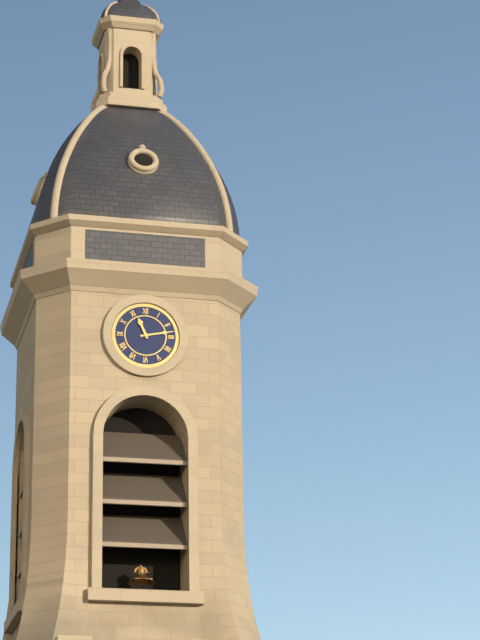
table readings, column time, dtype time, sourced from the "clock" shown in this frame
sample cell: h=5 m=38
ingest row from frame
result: h=11 m=13
